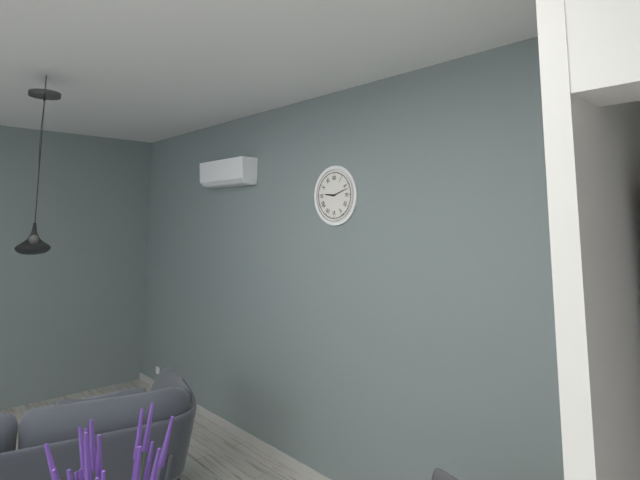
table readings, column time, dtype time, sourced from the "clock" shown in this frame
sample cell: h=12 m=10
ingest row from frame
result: h=9 m=12
